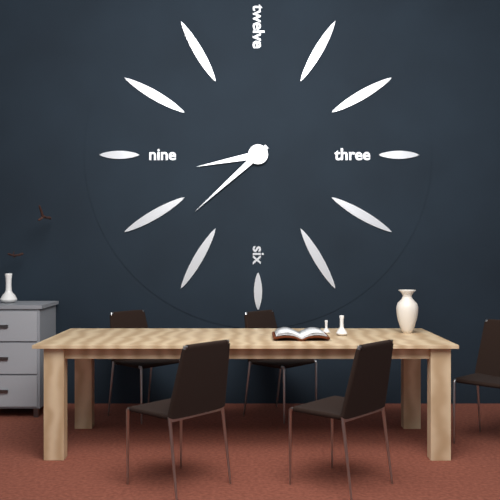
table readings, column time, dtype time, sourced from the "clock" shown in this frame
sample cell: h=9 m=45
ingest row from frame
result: h=8 m=38
